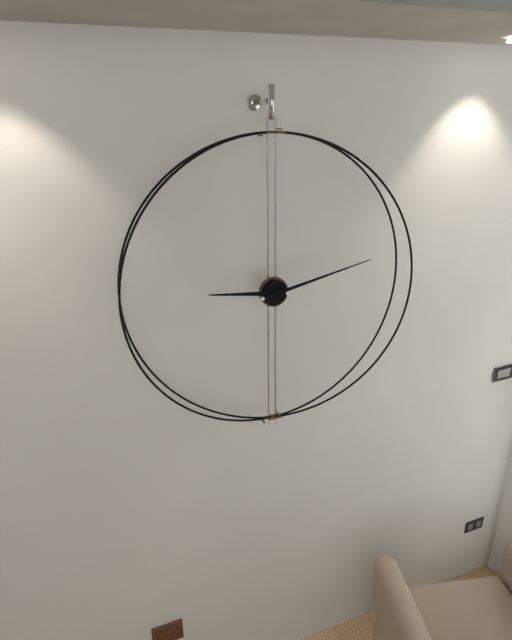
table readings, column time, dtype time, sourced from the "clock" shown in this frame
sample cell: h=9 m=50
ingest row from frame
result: h=9 m=13
